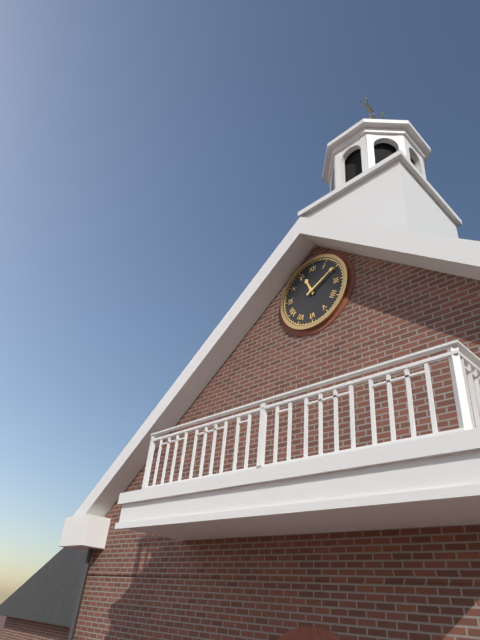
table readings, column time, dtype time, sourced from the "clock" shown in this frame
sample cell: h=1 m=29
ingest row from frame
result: h=11 m=10
